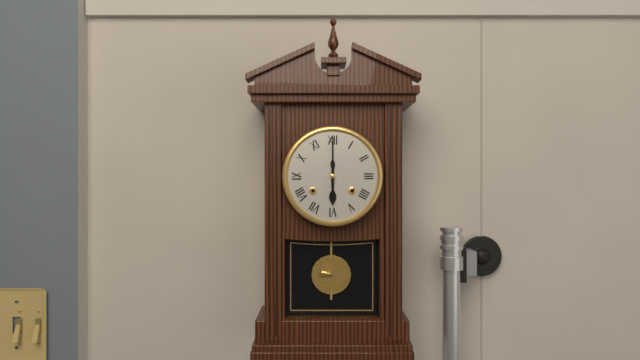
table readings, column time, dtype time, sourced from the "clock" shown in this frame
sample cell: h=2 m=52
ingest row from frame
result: h=6 m=0
